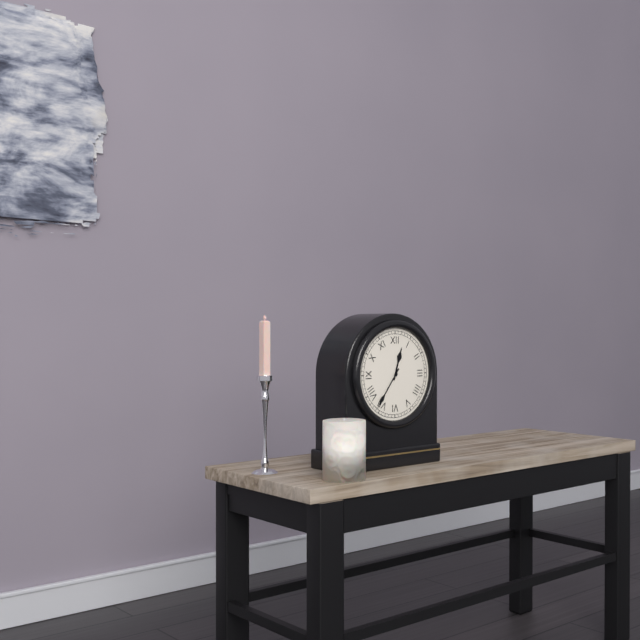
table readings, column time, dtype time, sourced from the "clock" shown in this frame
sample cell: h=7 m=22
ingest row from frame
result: h=12 m=36
